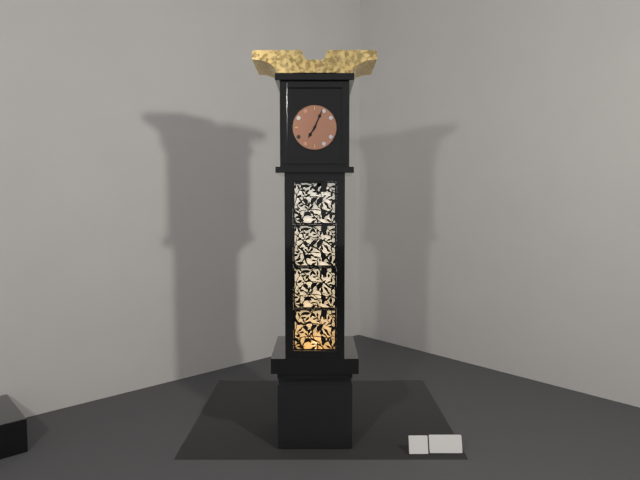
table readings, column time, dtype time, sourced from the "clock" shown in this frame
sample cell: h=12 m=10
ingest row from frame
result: h=7 m=4
